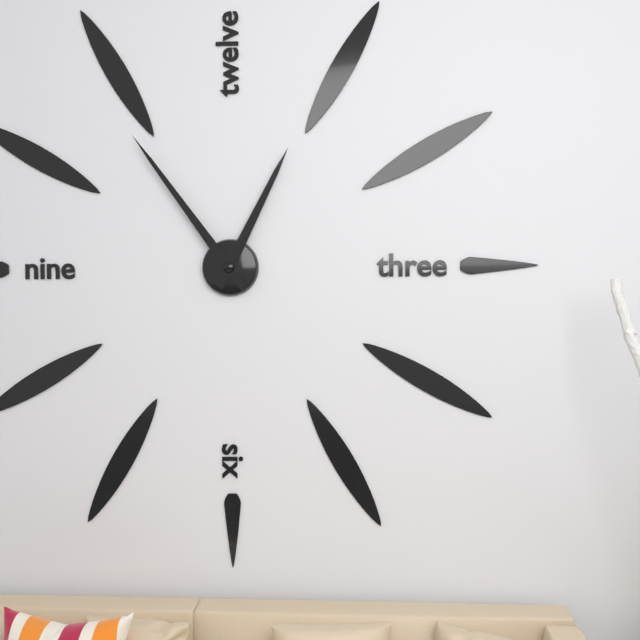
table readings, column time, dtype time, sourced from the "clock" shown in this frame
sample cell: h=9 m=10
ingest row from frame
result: h=12 m=54
